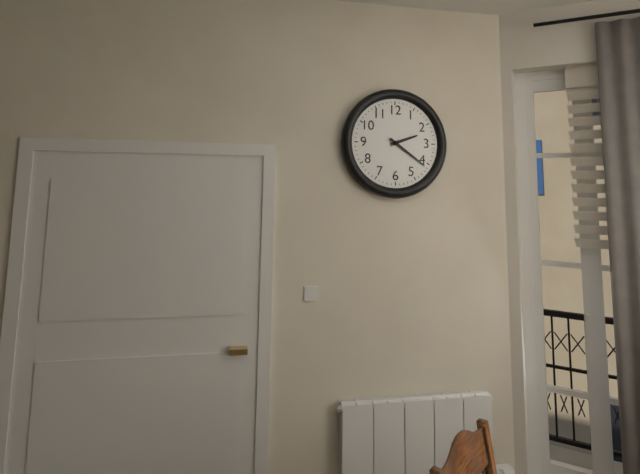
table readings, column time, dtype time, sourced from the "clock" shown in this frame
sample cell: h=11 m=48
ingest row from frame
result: h=2 m=21
